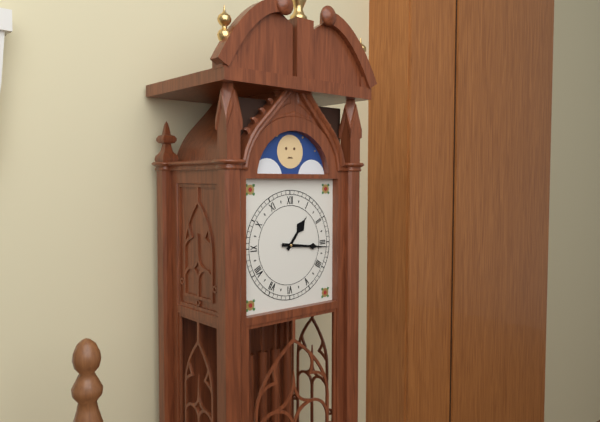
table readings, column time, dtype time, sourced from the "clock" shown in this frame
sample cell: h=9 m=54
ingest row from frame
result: h=1 m=16
